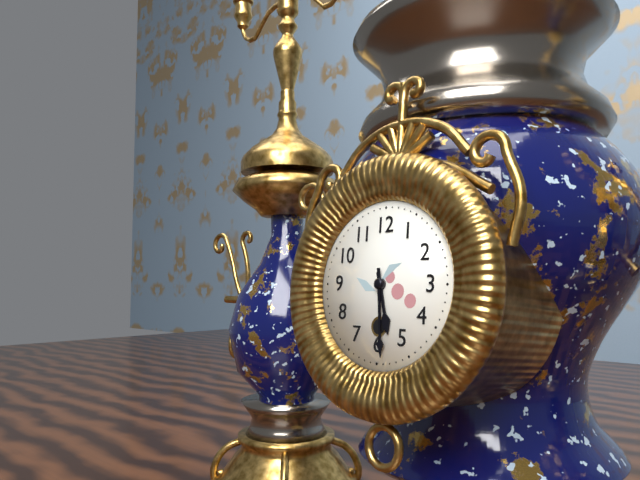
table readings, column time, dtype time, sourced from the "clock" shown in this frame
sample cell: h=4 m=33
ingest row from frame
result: h=5 m=29
